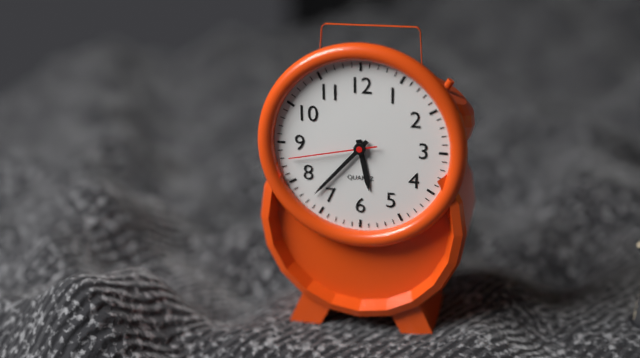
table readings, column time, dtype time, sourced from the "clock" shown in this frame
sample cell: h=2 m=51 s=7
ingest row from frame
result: h=5 m=37 s=43
